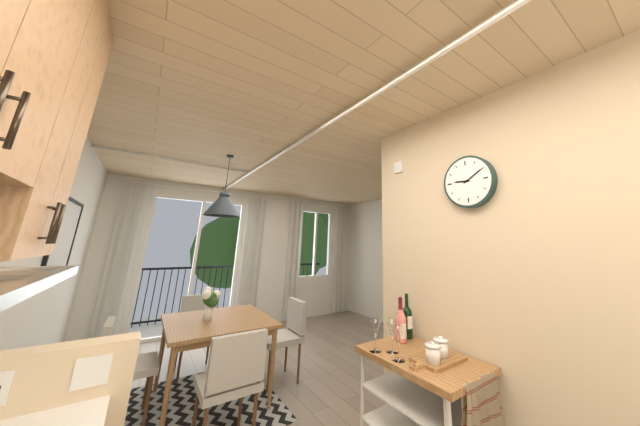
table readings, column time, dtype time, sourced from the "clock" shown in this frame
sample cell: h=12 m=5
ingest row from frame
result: h=9 m=10
